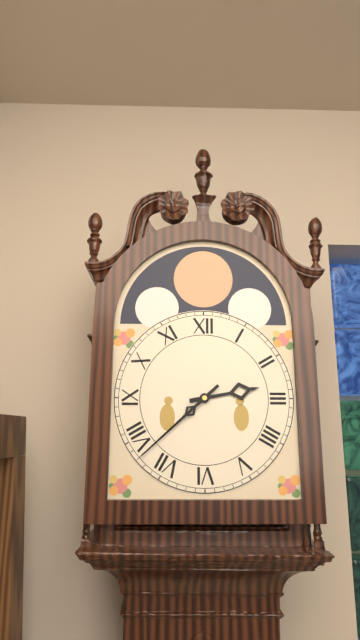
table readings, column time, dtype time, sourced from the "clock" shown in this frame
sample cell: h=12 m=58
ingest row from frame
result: h=2 m=38
